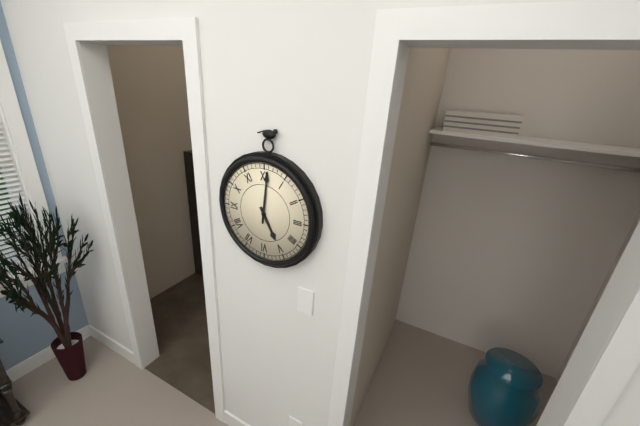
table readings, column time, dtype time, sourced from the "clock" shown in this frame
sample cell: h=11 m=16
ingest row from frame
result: h=5 m=1
